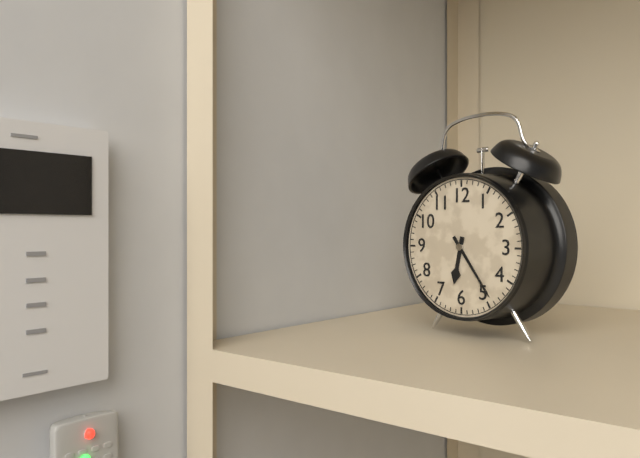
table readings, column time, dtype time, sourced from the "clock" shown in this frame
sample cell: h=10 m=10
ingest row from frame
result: h=6 m=24
